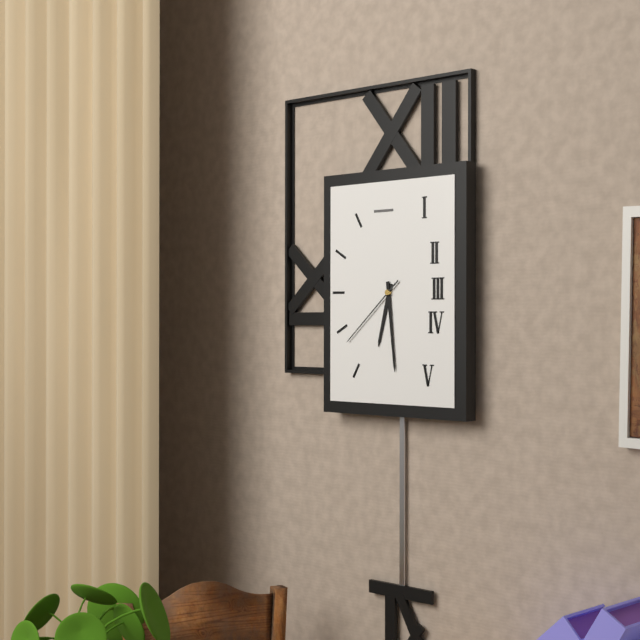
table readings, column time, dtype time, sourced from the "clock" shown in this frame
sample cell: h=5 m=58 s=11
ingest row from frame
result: h=6 m=29 s=38
